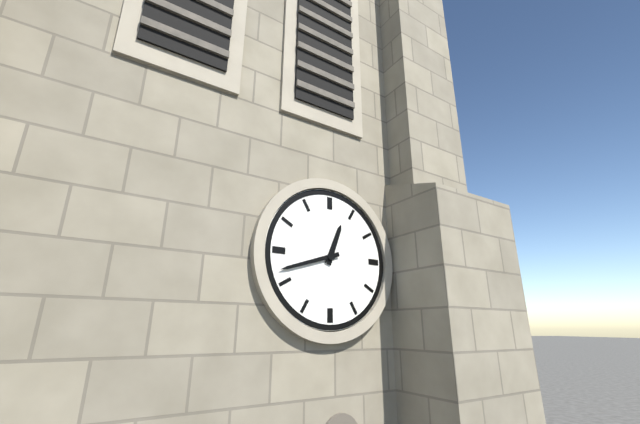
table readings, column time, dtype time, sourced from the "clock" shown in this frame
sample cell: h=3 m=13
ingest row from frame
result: h=12 m=42
